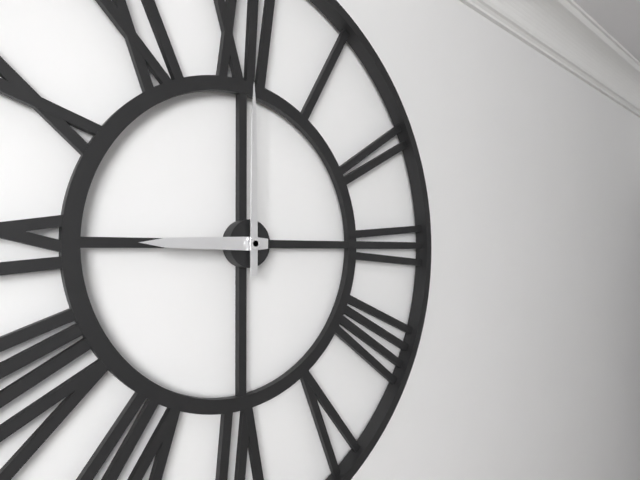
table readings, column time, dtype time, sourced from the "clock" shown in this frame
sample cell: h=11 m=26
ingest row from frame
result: h=9 m=0
